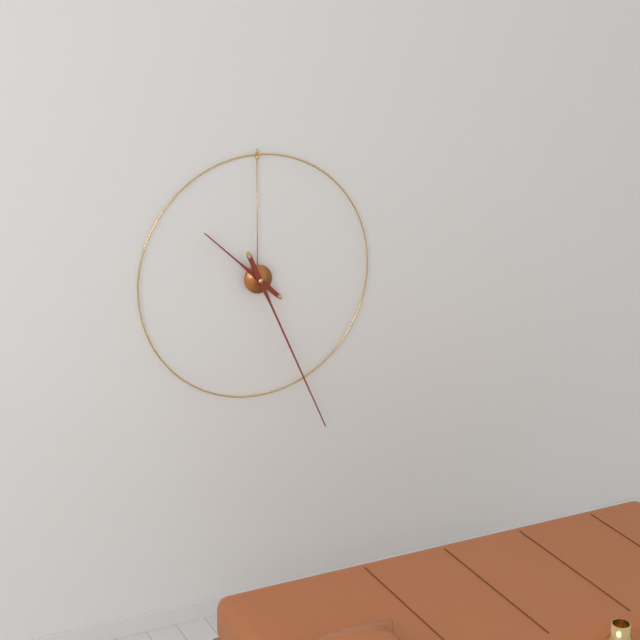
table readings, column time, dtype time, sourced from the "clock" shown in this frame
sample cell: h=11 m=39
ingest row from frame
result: h=10 m=26
